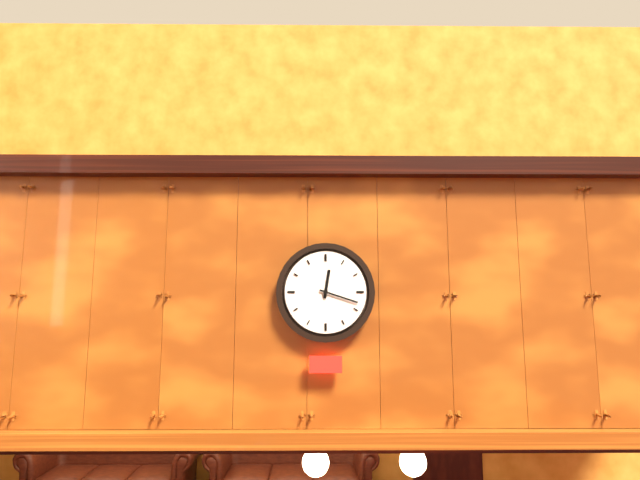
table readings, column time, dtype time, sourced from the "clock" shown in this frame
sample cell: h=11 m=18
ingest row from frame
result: h=12 m=18
